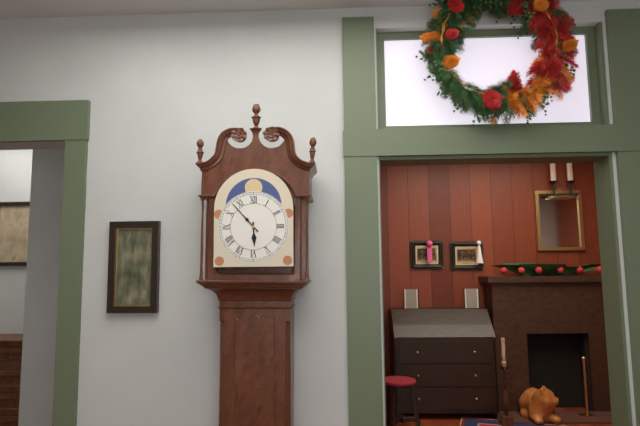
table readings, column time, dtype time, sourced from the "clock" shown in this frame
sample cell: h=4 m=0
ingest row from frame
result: h=5 m=53
